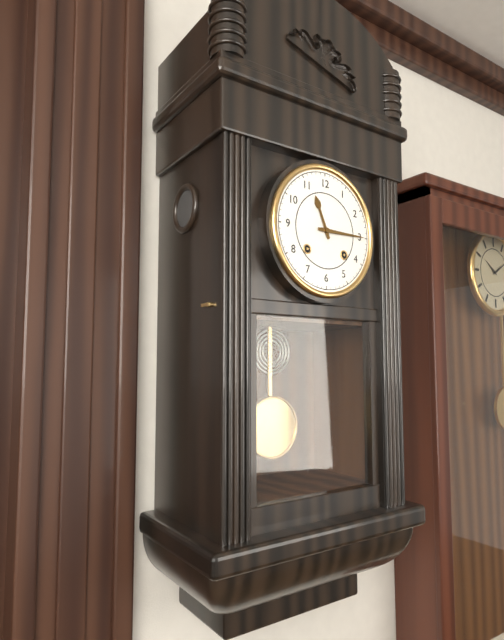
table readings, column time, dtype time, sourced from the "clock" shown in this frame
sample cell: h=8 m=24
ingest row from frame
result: h=11 m=15
